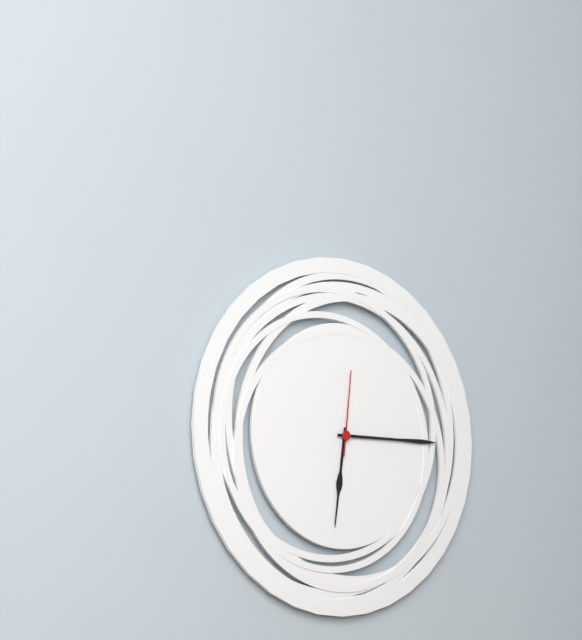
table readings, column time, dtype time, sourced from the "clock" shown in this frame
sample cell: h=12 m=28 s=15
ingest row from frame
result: h=6 m=15 s=1
